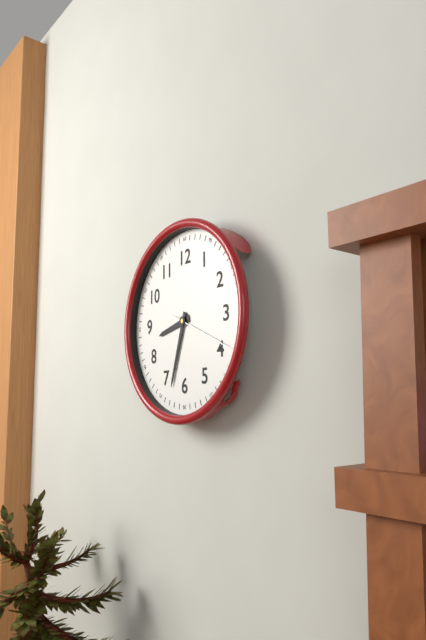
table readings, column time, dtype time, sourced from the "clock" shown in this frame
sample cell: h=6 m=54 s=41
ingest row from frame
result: h=8 m=33 s=19
